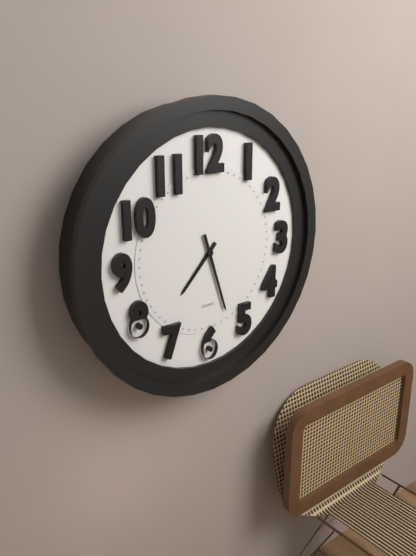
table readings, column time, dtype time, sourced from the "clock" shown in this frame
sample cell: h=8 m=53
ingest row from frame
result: h=7 m=27
